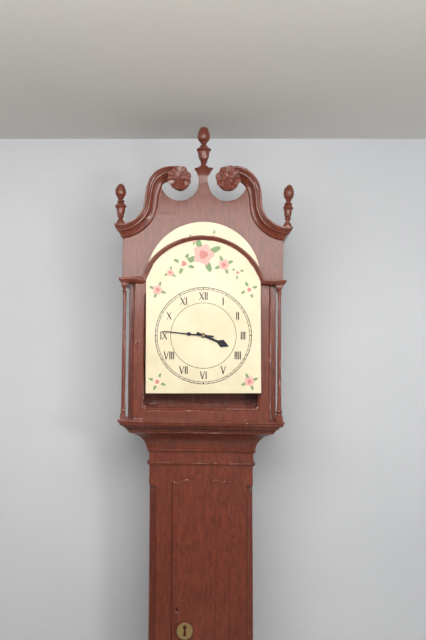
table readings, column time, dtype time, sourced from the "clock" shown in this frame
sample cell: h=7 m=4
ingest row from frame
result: h=3 m=46
